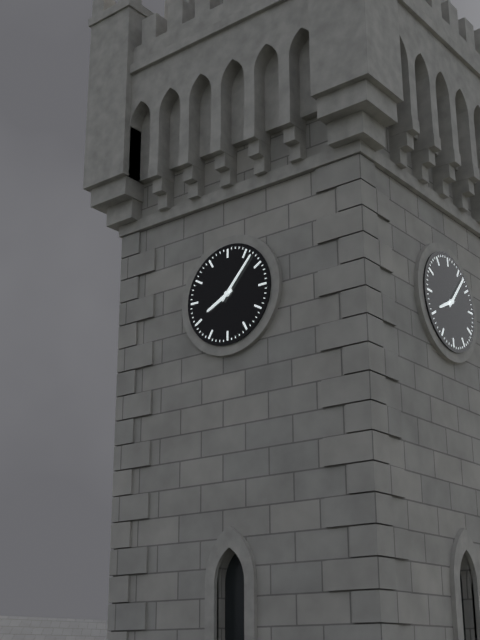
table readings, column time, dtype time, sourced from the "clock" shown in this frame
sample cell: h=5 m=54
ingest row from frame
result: h=8 m=7
